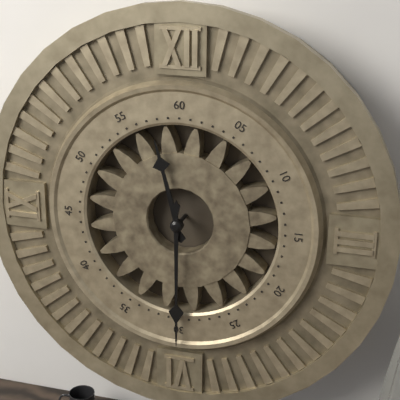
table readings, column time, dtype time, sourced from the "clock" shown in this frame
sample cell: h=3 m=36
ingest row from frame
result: h=11 m=30
